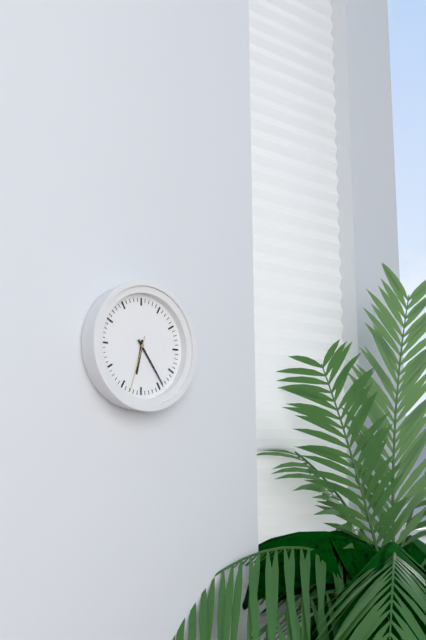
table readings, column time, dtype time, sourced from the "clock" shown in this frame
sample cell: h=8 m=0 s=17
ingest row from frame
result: h=6 m=24 s=33
